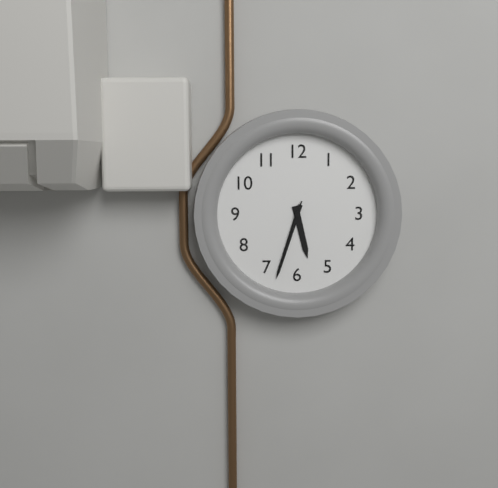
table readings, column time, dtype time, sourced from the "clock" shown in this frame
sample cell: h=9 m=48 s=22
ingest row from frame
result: h=5 m=33 s=33
